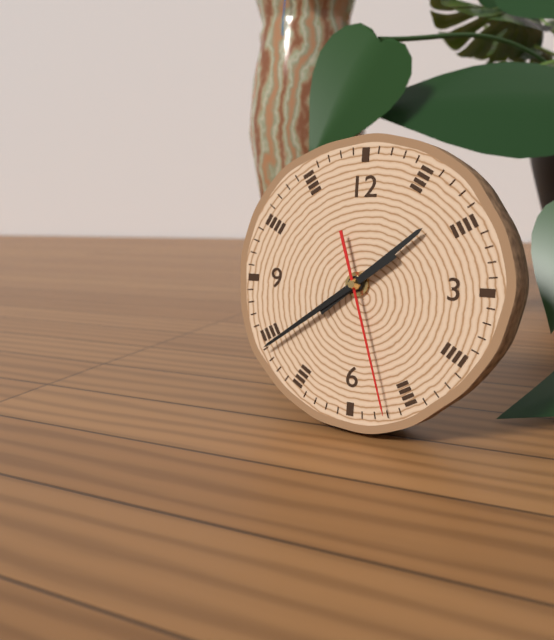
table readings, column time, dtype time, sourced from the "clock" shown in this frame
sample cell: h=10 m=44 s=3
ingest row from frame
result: h=1 m=39 s=27
